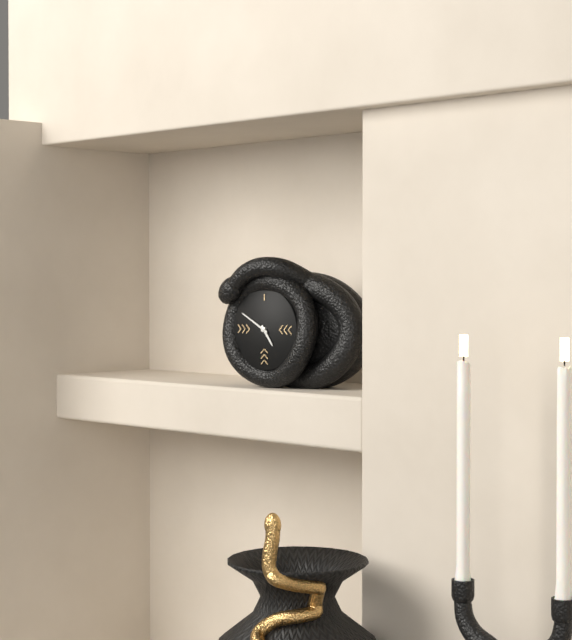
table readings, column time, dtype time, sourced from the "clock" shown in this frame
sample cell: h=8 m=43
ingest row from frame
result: h=4 m=50
